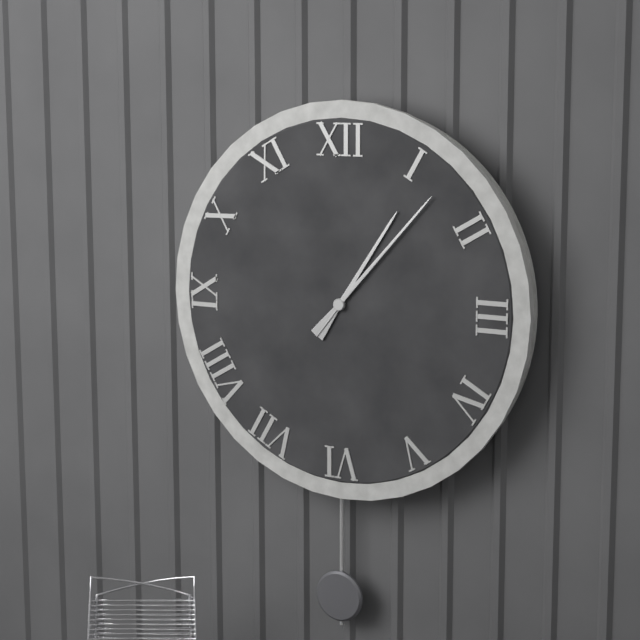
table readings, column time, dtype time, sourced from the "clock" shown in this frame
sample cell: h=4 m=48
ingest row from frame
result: h=1 m=7
